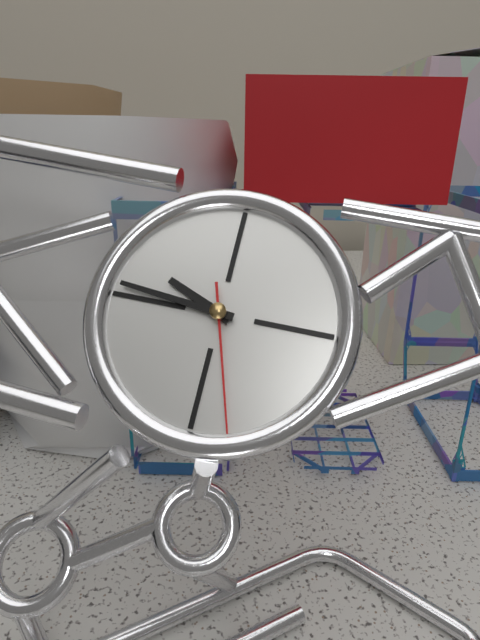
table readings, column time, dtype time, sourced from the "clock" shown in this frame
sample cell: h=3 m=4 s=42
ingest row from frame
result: h=9 m=46 s=27
